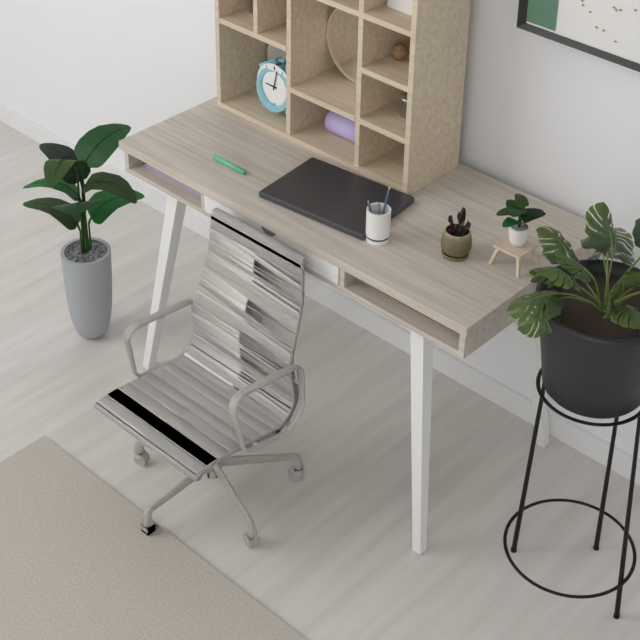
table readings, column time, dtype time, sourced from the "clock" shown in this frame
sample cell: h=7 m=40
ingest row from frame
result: h=9 m=2
